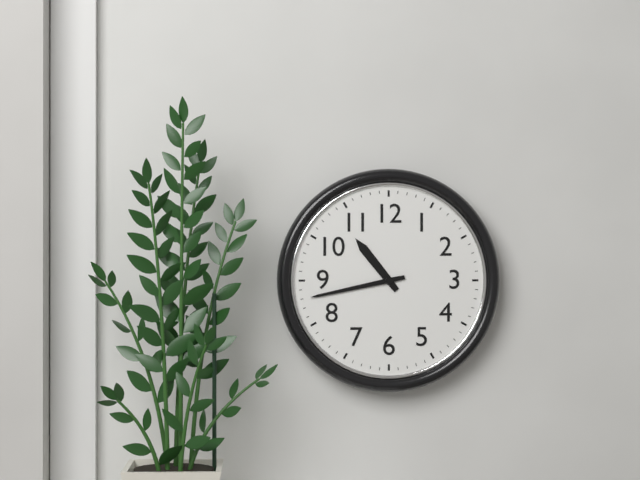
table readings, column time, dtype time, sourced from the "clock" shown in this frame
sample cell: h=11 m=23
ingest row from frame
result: h=10 m=43
